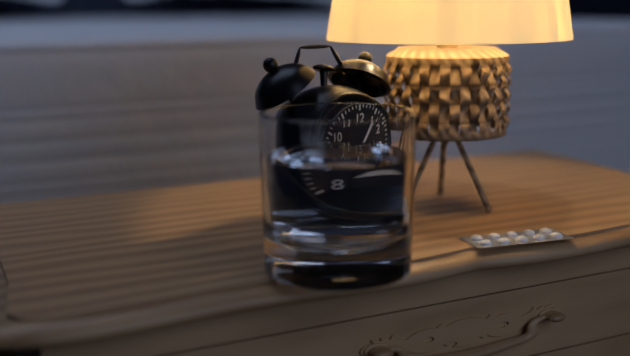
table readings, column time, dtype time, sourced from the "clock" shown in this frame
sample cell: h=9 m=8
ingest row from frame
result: h=8 m=6
